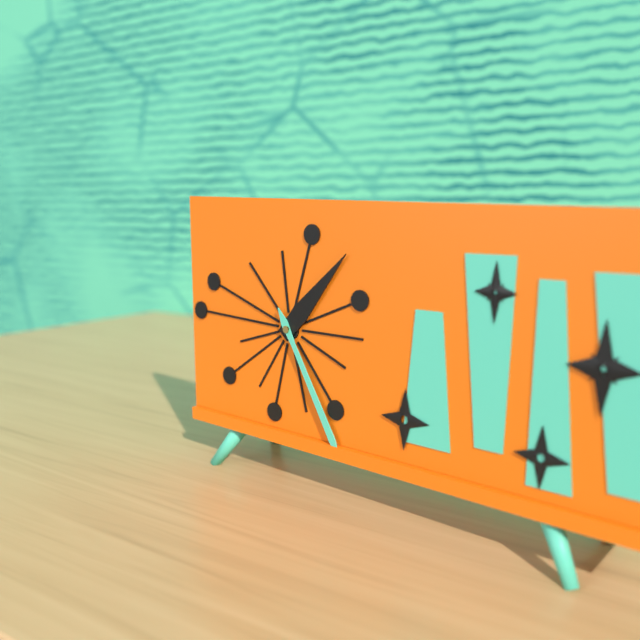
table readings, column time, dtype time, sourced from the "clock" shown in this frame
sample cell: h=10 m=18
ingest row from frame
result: h=1 m=25
